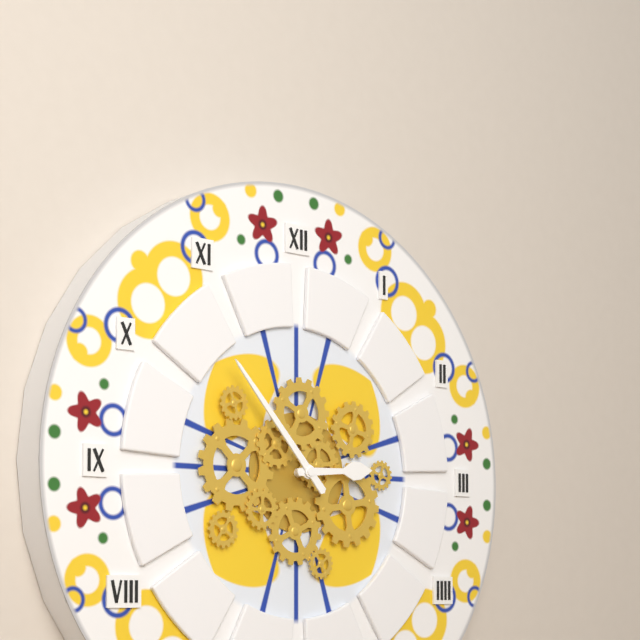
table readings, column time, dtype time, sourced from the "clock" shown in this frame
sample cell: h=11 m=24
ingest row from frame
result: h=2 m=53
